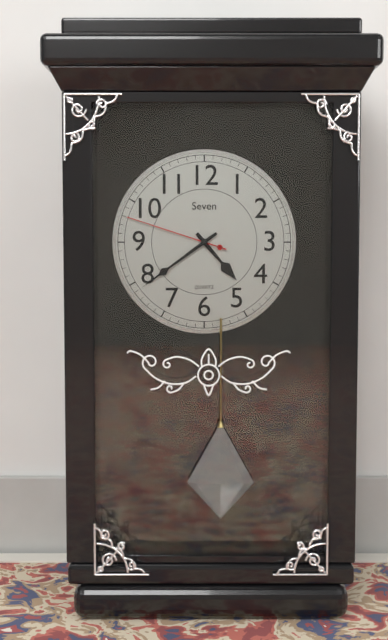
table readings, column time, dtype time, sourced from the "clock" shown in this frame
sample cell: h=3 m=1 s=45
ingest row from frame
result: h=4 m=39 s=48
